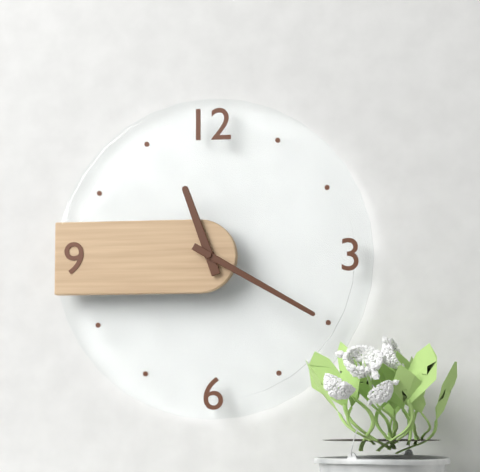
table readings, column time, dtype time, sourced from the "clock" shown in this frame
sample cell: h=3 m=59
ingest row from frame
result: h=11 m=20
